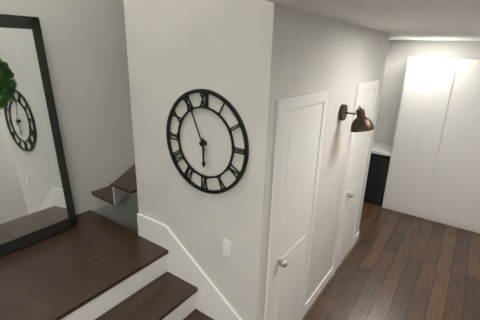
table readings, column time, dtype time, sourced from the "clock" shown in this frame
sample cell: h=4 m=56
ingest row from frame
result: h=5 m=56
